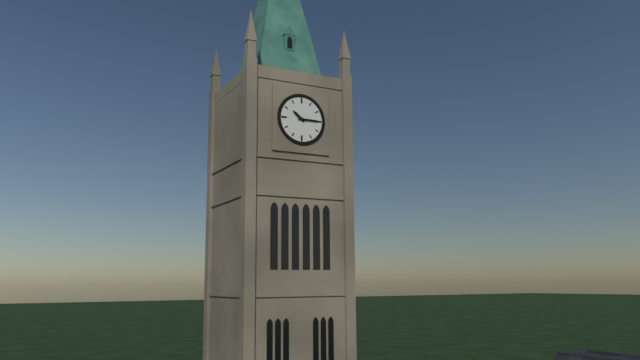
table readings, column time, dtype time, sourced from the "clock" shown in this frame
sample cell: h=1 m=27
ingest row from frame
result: h=10 m=15
